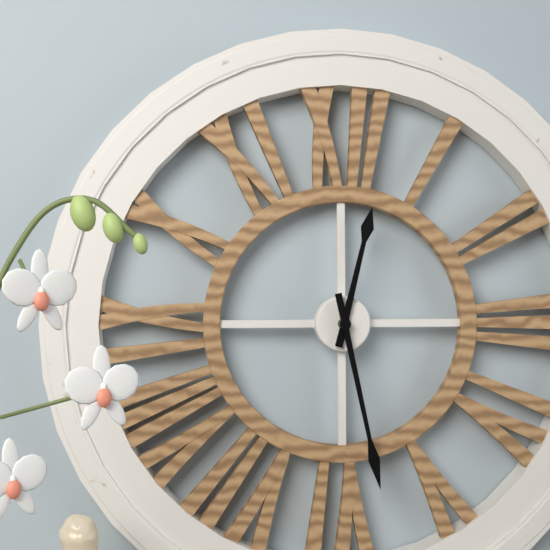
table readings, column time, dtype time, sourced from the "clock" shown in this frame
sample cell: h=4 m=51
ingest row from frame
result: h=12 m=28
